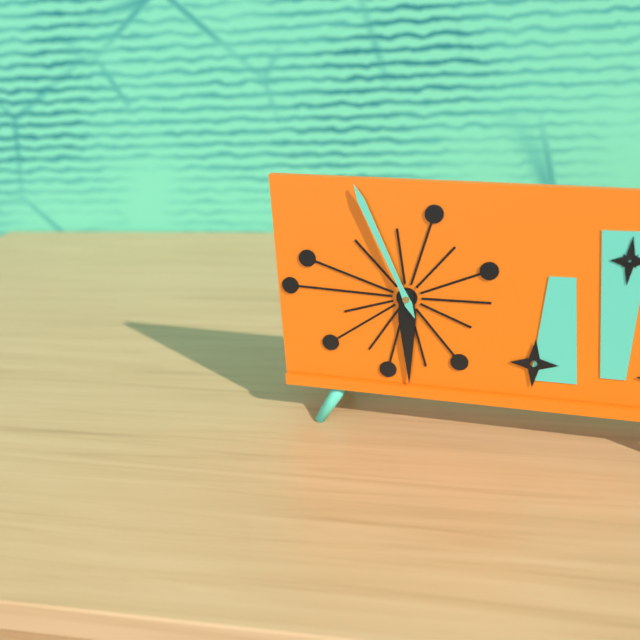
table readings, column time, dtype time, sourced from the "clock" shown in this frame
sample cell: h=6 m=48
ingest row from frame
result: h=5 m=56
